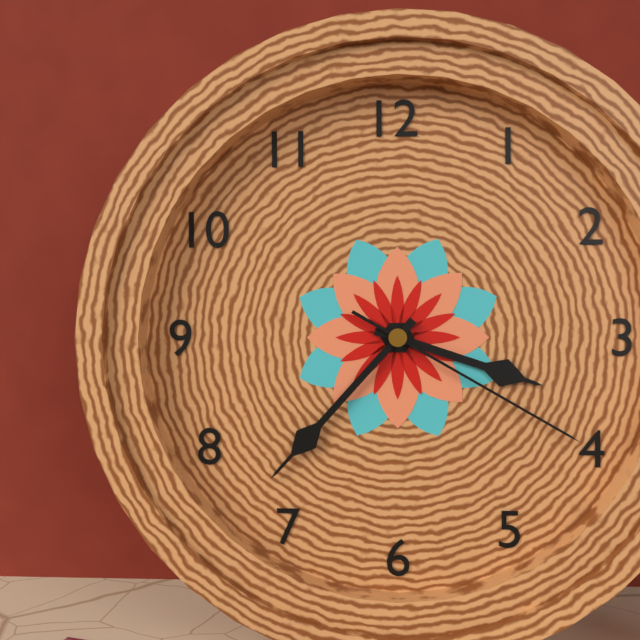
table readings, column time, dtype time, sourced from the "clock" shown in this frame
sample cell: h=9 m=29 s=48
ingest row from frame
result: h=3 m=37 s=20
